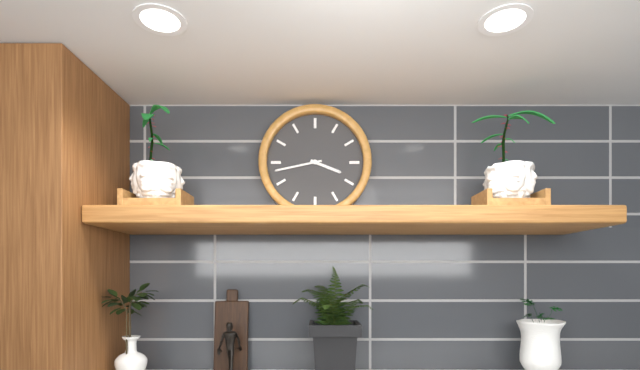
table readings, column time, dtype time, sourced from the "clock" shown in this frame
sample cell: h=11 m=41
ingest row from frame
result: h=3 m=43
